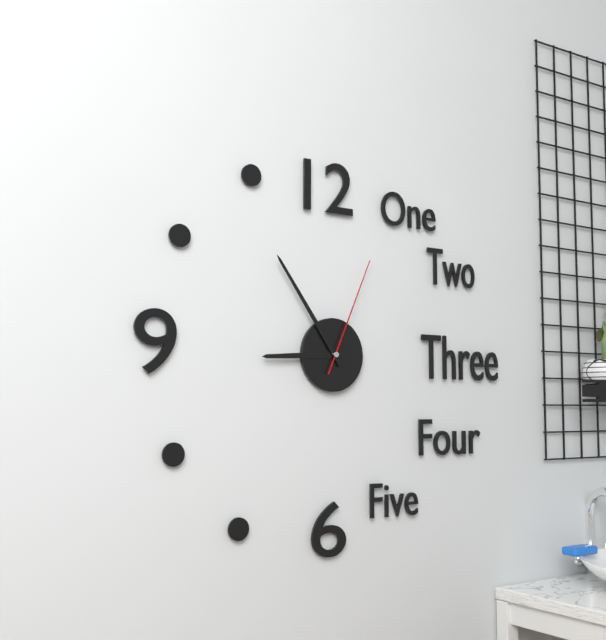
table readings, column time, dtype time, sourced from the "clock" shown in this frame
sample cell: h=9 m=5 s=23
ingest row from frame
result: h=8 m=54 s=4
